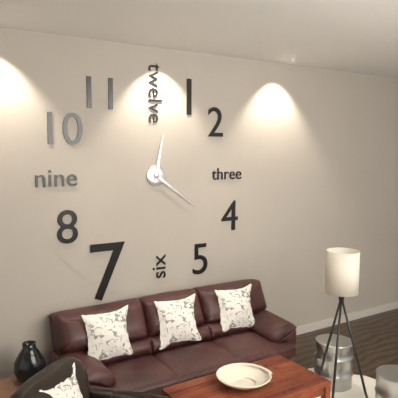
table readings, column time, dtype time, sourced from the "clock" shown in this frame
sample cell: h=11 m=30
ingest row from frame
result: h=12 m=21
